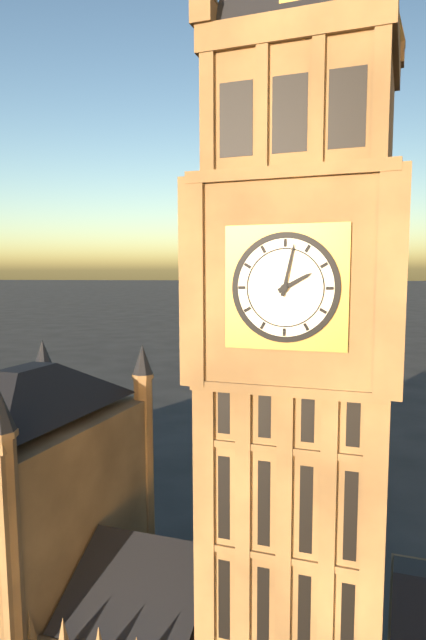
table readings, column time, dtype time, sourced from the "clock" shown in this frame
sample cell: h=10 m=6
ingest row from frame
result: h=2 m=2
